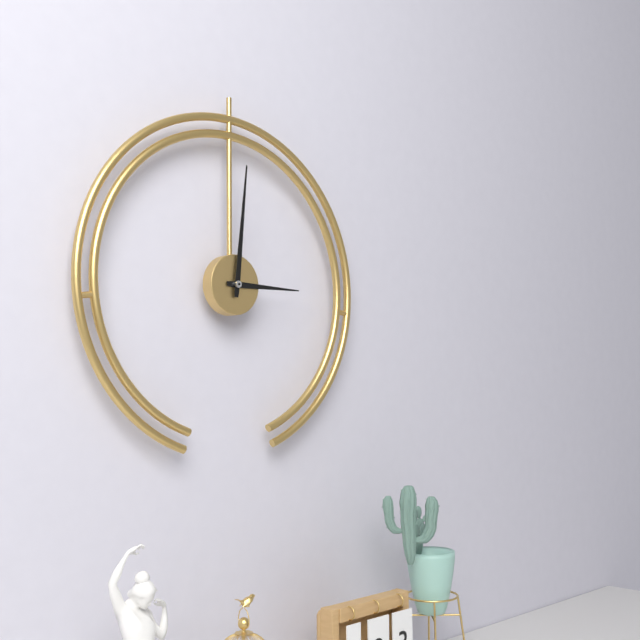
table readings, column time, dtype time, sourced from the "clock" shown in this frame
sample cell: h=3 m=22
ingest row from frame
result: h=3 m=1
